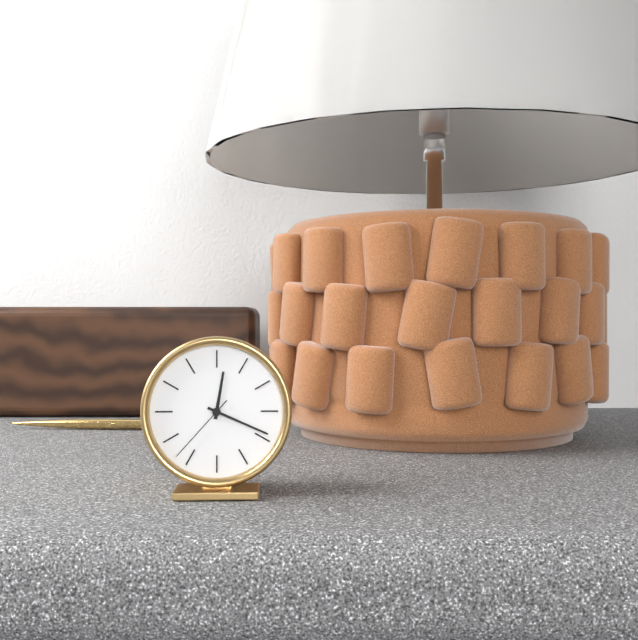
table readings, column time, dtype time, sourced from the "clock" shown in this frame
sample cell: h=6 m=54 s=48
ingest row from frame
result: h=12 m=19 s=37
